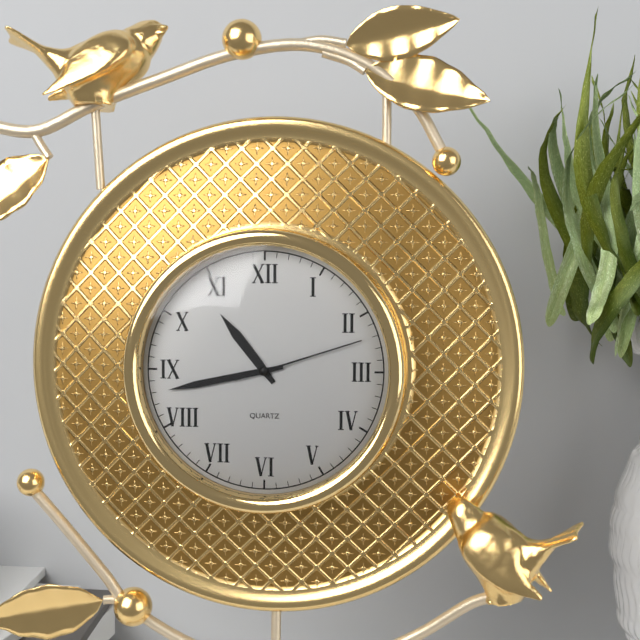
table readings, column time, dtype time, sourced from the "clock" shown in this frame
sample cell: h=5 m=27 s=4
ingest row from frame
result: h=10 m=43 s=12
